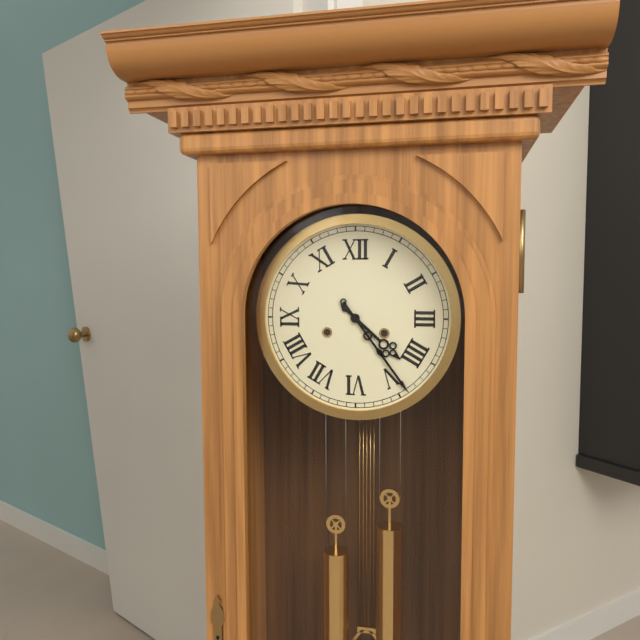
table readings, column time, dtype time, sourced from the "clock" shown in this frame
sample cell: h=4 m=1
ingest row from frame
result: h=4 m=24
